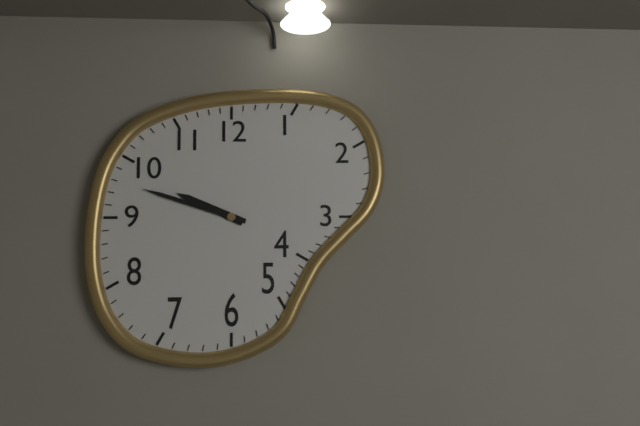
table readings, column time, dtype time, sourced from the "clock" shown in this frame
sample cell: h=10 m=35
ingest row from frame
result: h=9 m=48
